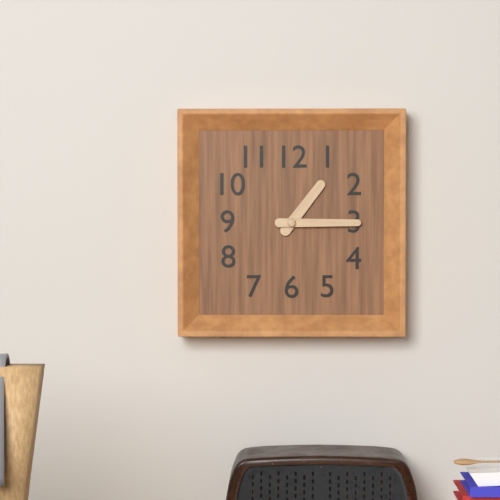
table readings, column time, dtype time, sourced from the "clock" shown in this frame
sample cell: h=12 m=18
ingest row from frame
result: h=1 m=15
